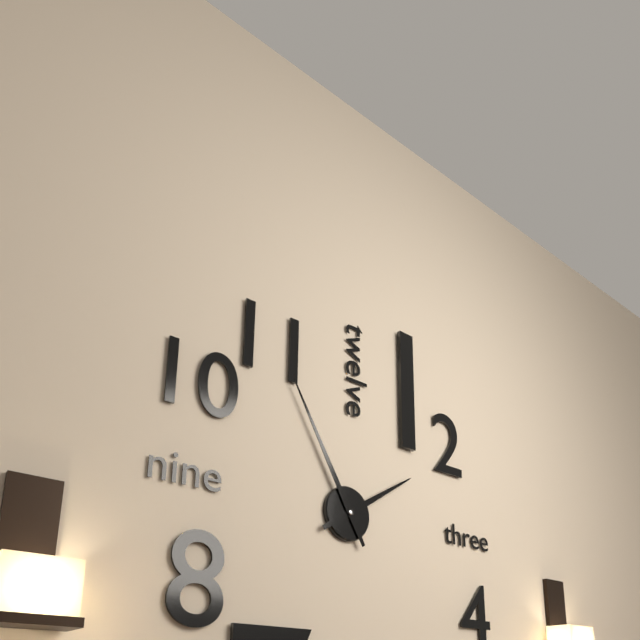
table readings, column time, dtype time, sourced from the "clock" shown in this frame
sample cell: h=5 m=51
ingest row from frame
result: h=1 m=55
